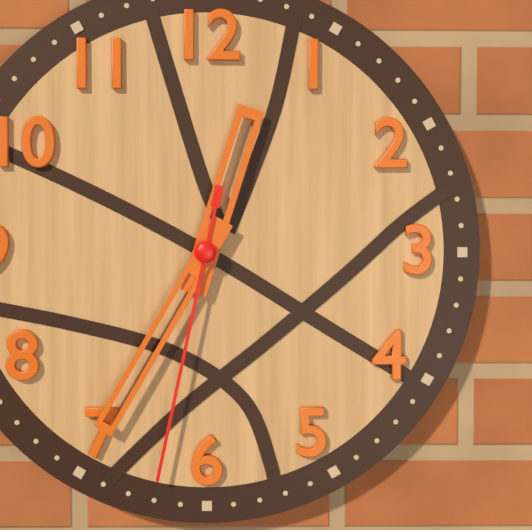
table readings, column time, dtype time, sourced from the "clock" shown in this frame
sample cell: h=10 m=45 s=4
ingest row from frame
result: h=12 m=35 s=32
